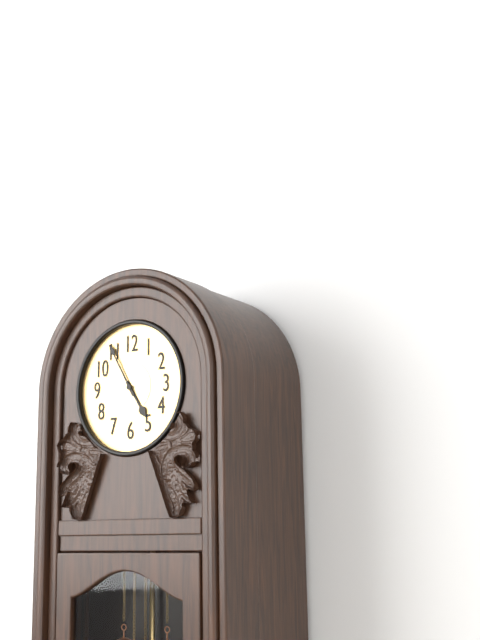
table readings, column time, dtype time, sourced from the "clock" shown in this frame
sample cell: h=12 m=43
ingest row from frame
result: h=4 m=55
